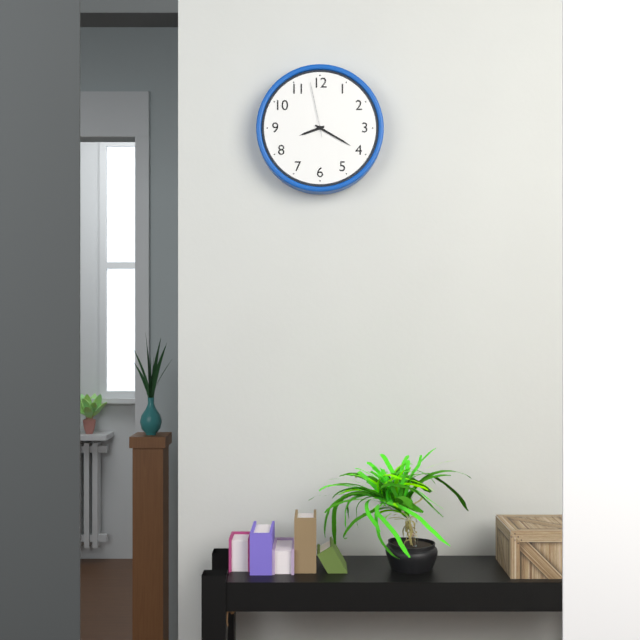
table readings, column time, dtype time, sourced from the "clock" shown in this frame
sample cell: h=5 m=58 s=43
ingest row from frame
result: h=8 m=20 s=58
